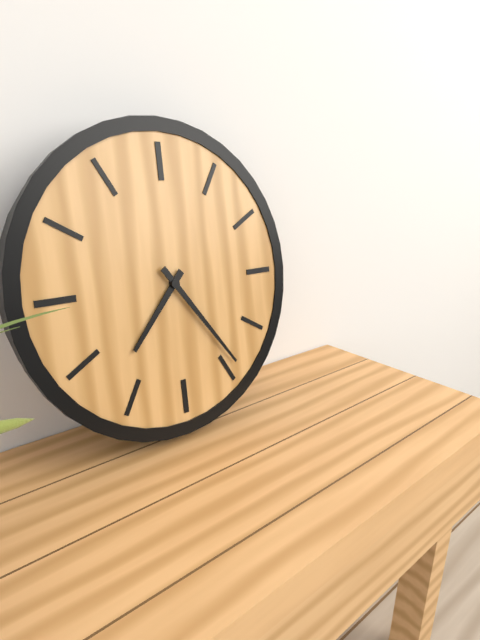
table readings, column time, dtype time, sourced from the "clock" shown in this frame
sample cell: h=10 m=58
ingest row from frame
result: h=7 m=24
